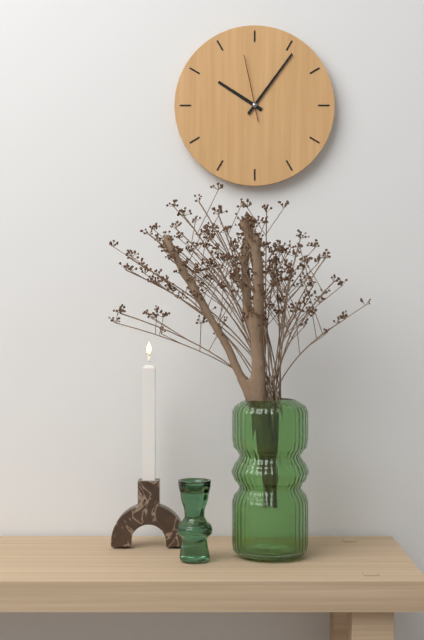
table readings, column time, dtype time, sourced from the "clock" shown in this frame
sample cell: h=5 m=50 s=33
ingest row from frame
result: h=10 m=6 s=58
